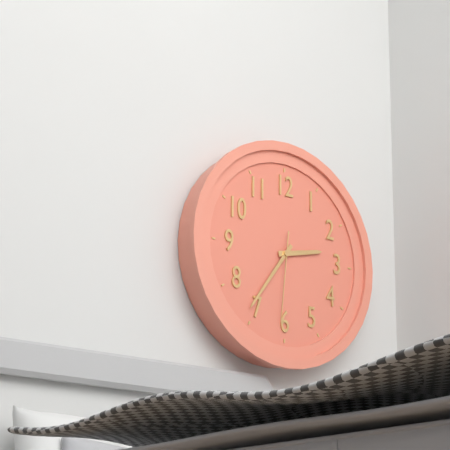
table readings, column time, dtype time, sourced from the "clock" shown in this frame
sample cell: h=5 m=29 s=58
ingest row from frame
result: h=2 m=36 s=31
